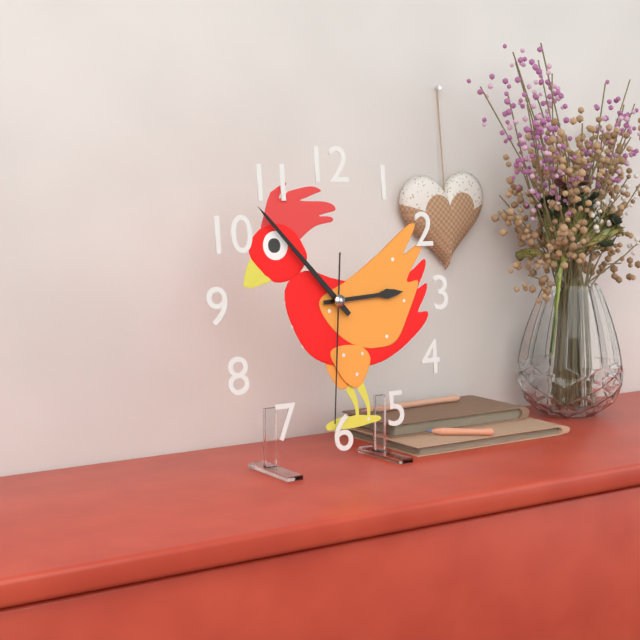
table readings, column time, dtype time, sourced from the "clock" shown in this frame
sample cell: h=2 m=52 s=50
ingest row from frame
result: h=2 m=53 s=31
